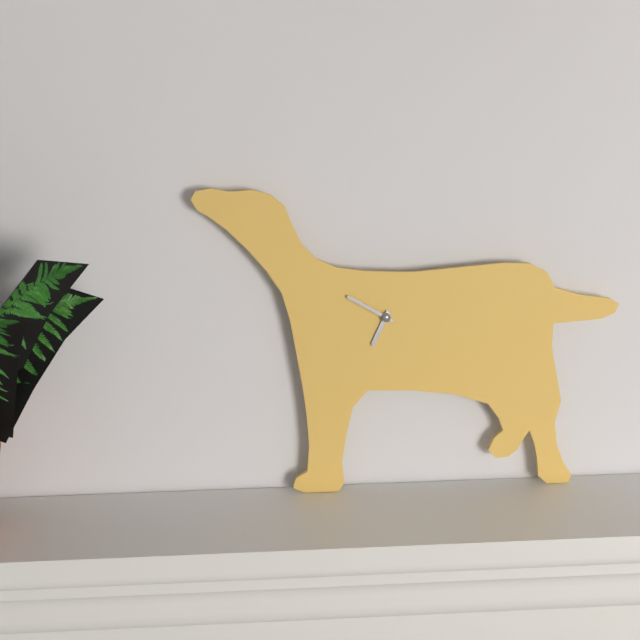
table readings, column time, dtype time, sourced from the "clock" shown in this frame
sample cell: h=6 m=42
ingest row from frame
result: h=6 m=50
